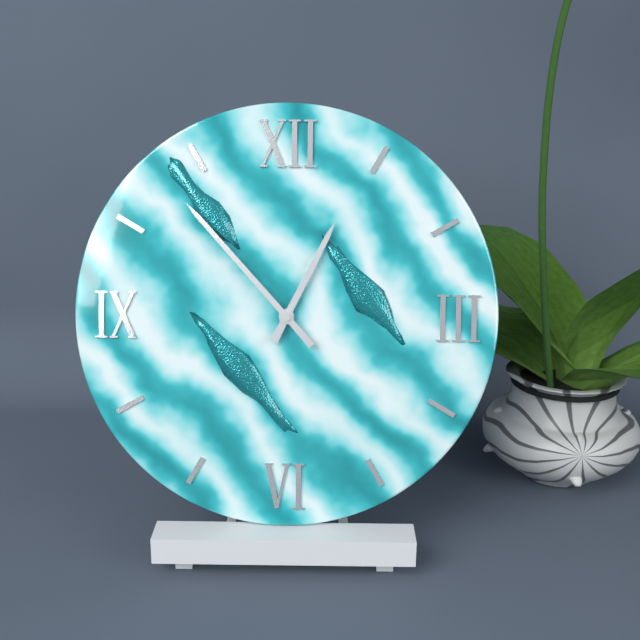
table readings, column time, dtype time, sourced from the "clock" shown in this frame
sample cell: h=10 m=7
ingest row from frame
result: h=12 m=53
